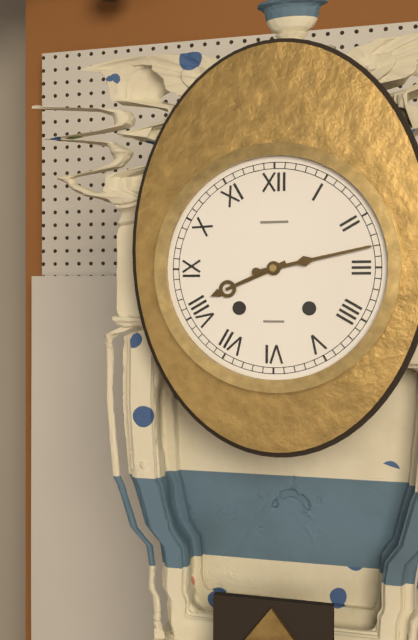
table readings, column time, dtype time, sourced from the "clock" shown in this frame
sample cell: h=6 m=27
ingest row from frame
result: h=8 m=13
